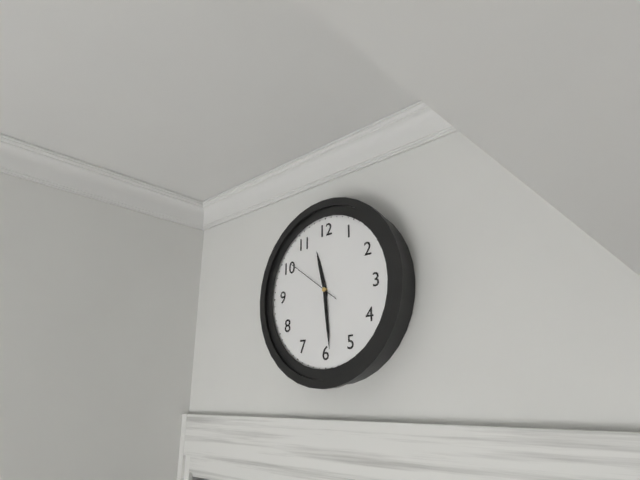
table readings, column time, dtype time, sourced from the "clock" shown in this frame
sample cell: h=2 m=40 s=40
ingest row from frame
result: h=11 m=29 s=51
